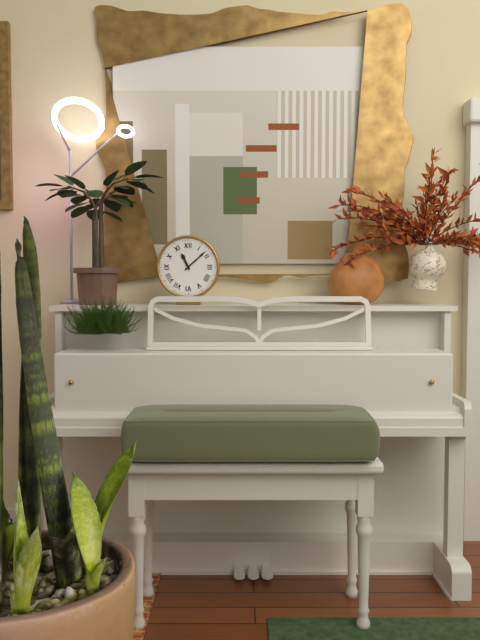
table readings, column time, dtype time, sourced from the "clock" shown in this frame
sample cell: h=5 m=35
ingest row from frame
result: h=11 m=8
